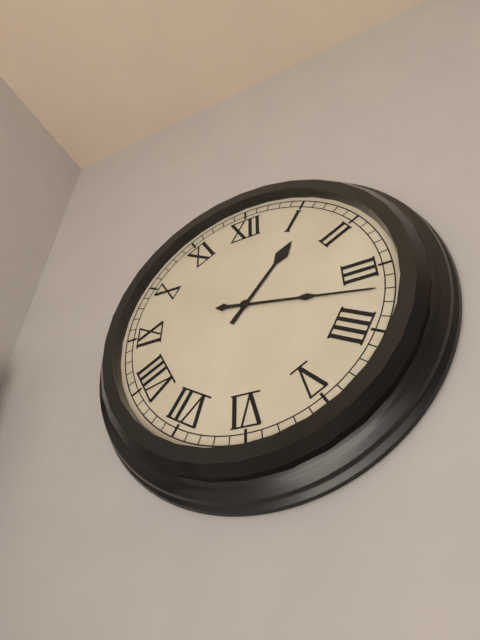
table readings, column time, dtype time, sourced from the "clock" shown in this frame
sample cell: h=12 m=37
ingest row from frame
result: h=1 m=17
